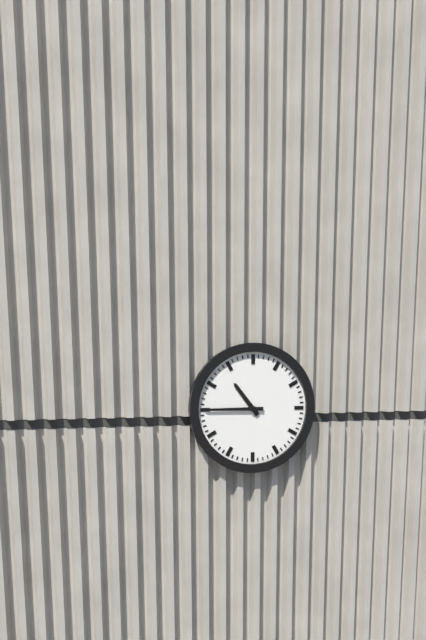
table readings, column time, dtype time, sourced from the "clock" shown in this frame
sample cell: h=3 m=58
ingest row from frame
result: h=10 m=45
